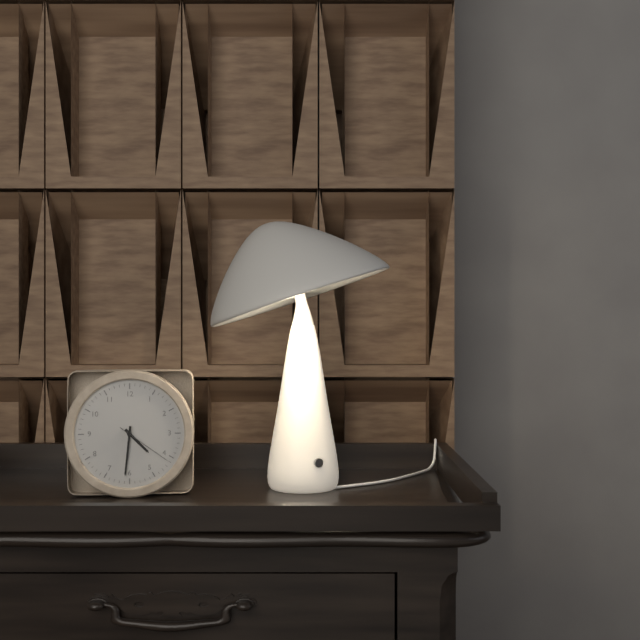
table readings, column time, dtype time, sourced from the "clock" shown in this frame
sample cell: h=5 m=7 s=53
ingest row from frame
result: h=4 m=31 s=21
